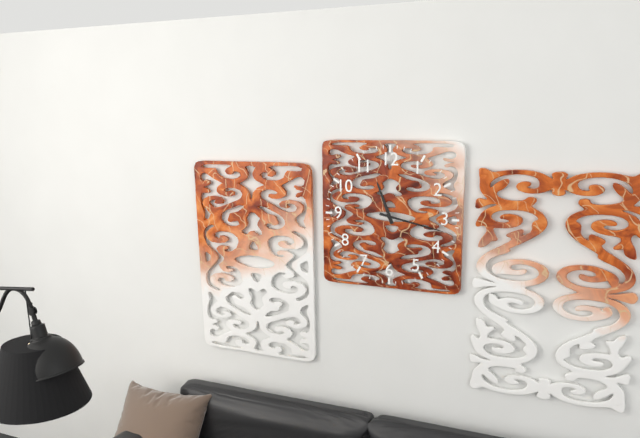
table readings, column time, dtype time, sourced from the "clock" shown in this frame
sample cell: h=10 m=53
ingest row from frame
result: h=11 m=17
